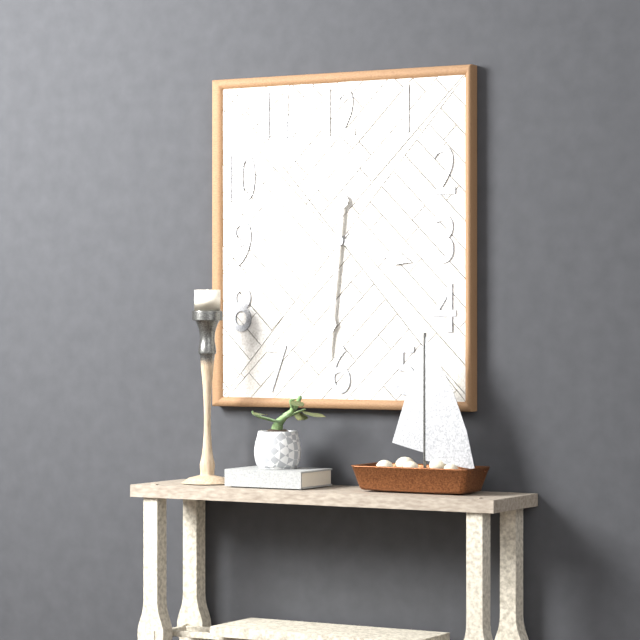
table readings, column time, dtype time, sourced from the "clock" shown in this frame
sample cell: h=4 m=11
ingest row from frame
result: h=3 m=31
